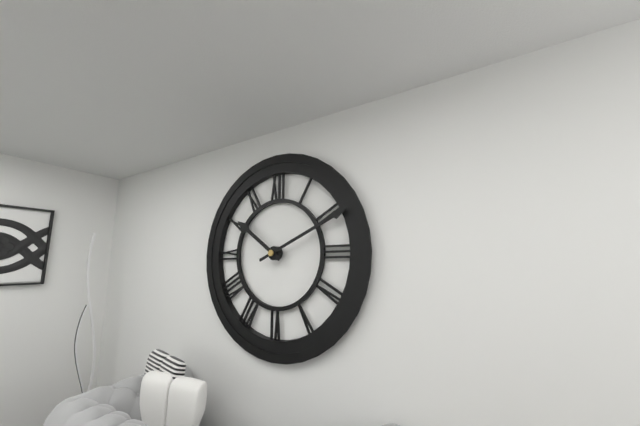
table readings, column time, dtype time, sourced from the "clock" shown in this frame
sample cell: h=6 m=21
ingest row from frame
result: h=10 m=11
